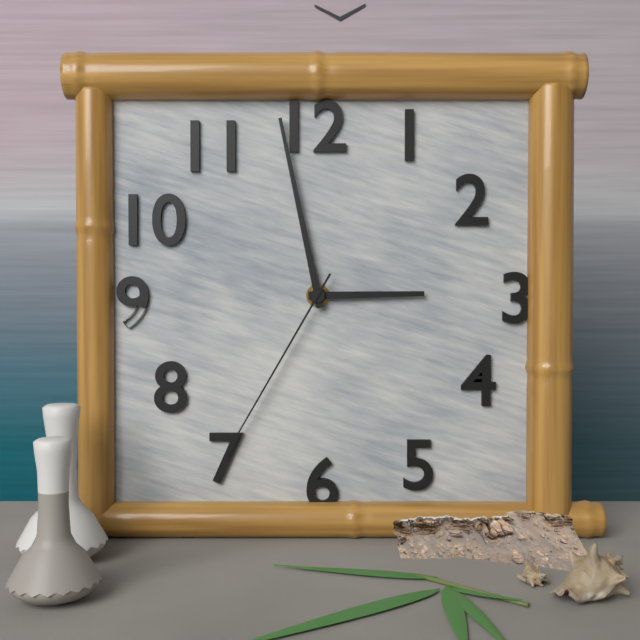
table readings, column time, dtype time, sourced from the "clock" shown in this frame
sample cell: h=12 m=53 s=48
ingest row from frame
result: h=2 m=58 s=35
